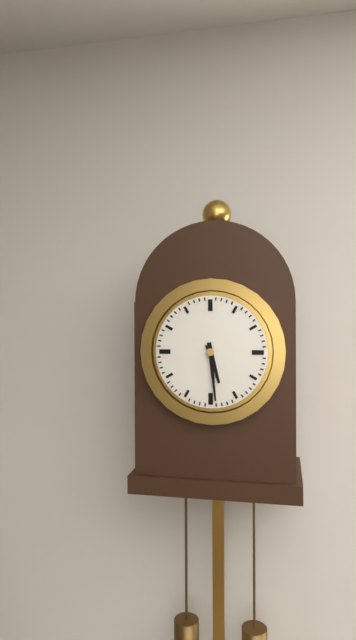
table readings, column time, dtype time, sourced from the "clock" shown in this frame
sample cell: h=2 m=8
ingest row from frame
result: h=5 m=29
